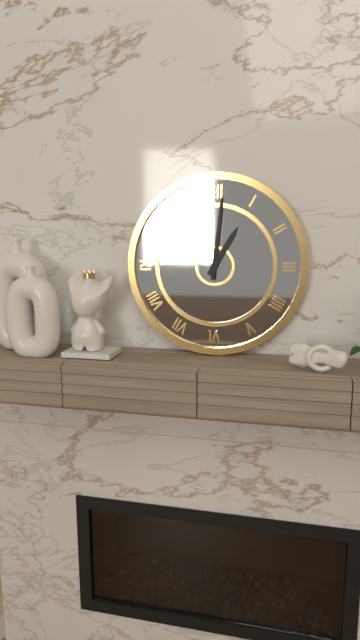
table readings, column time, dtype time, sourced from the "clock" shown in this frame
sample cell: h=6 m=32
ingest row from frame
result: h=1 m=1
